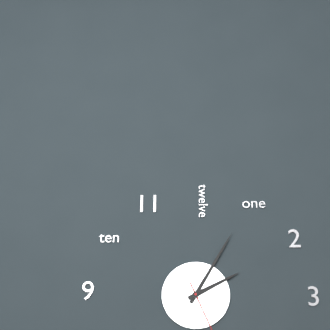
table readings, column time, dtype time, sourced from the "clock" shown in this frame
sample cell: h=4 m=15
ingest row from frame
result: h=2 m=5
